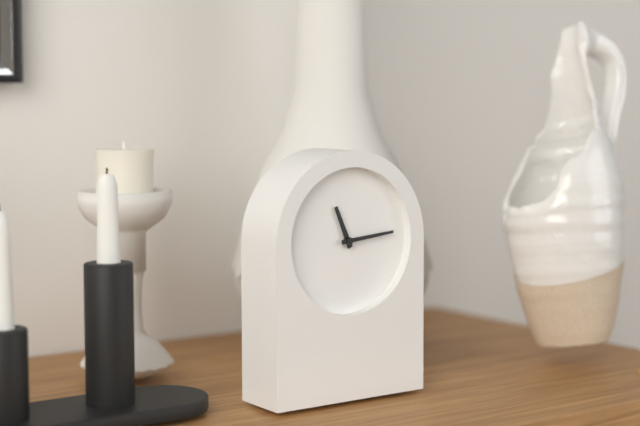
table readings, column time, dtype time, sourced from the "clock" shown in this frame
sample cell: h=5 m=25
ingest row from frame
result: h=11 m=14
